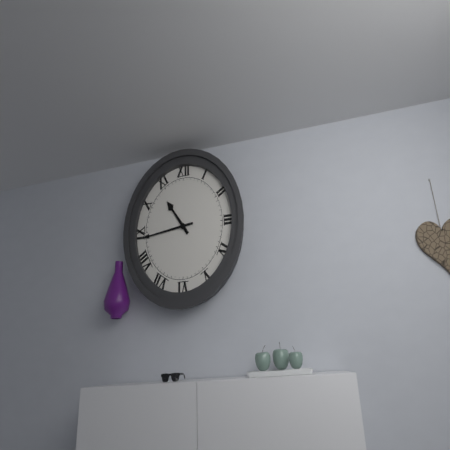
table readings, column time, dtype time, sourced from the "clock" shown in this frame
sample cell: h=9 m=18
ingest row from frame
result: h=10 m=44
